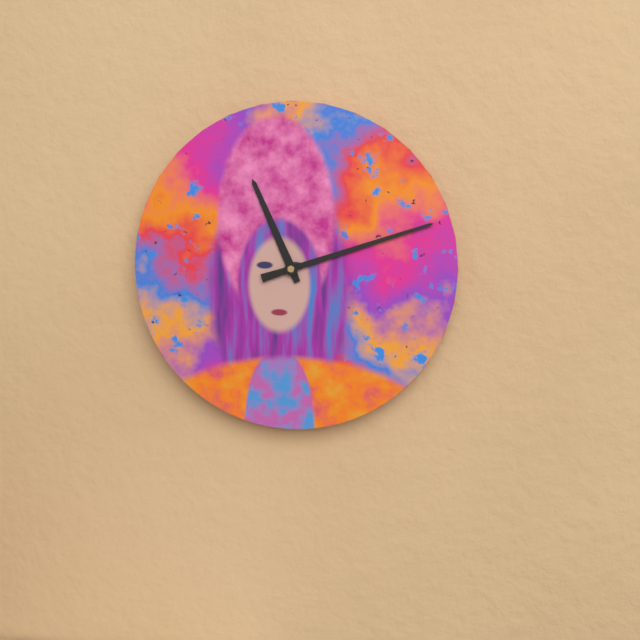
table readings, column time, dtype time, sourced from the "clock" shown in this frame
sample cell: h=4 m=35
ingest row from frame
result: h=11 m=12
